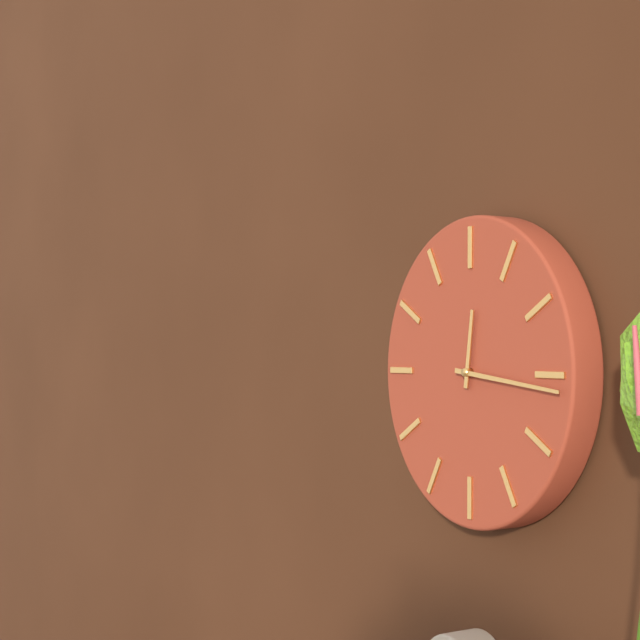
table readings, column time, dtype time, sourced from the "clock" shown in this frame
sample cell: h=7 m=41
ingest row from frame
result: h=12 m=16
